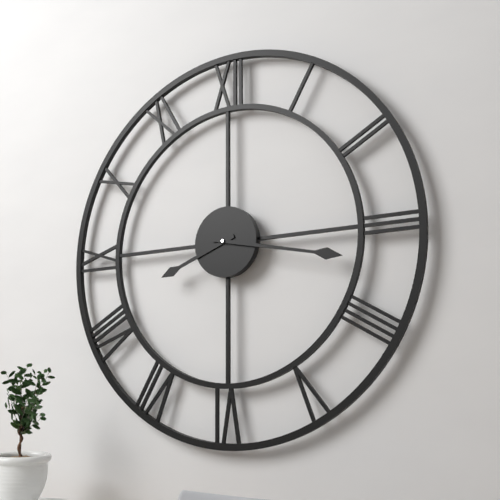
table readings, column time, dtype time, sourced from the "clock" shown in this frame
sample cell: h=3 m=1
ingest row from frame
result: h=8 m=17
